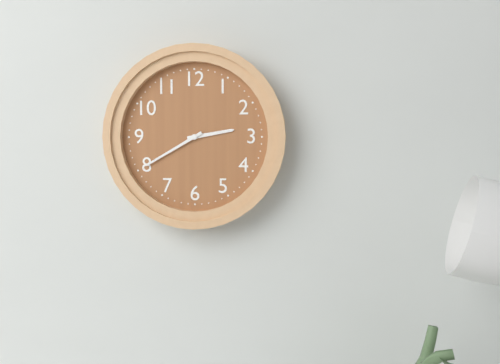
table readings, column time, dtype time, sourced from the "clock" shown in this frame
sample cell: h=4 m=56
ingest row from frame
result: h=2 m=40
